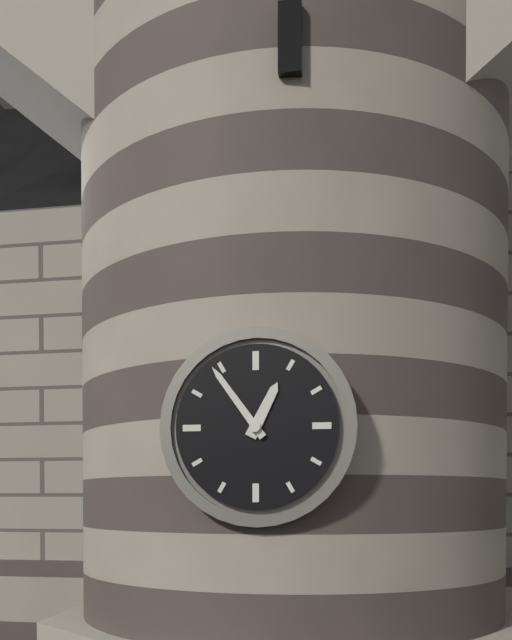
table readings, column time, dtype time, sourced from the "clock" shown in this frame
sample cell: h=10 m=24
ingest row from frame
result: h=12 m=54
